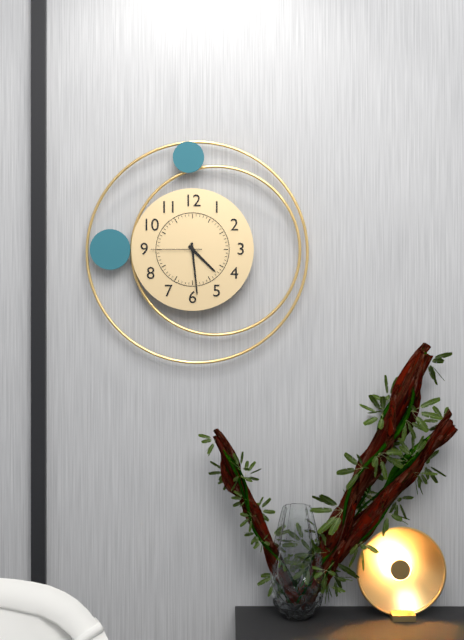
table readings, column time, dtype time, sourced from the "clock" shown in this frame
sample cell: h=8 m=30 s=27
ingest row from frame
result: h=4 m=29 s=45
